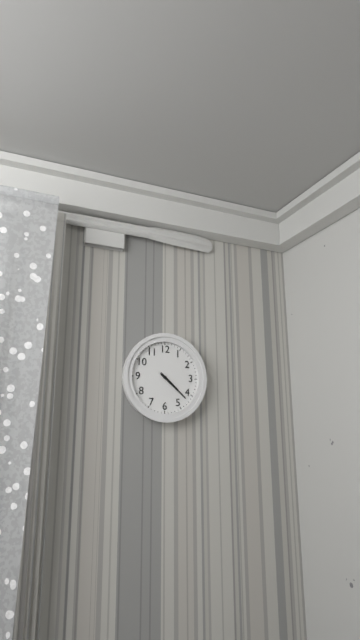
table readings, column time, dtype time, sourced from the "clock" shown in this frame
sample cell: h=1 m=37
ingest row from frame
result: h=4 m=22
